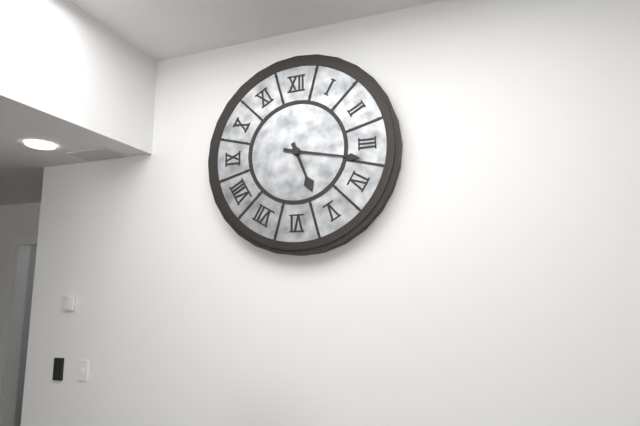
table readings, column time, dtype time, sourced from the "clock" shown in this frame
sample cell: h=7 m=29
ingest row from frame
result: h=5 m=17
